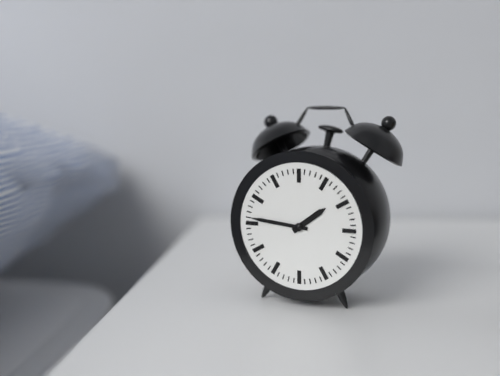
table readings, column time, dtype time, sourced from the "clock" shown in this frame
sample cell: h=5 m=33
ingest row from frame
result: h=1 m=46
